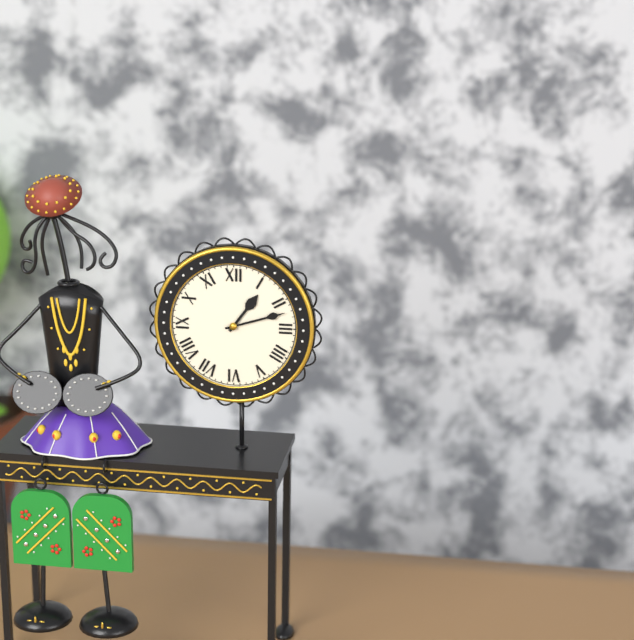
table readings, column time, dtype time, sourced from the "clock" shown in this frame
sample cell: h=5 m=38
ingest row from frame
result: h=1 m=12
